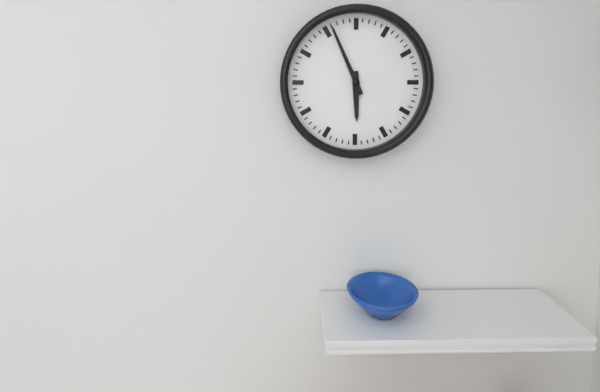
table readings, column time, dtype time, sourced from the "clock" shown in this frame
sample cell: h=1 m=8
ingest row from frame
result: h=5 m=56
